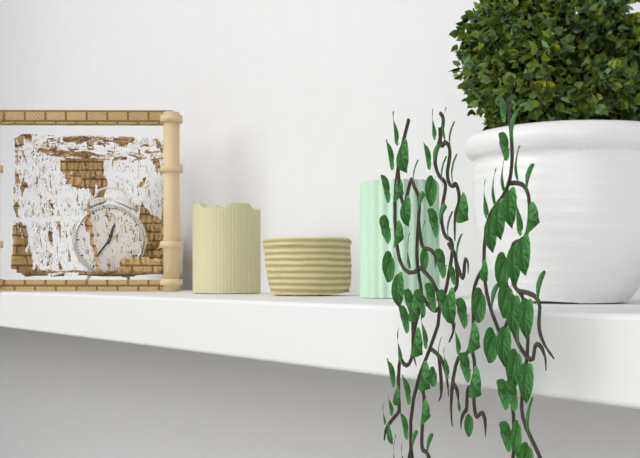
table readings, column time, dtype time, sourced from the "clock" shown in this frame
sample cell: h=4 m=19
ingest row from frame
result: h=12 m=36
